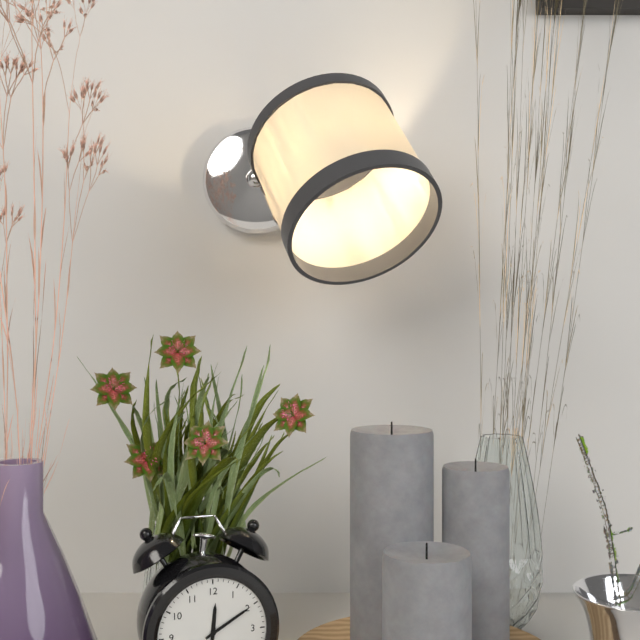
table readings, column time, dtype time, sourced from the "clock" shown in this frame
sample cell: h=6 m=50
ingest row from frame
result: h=12 m=10
